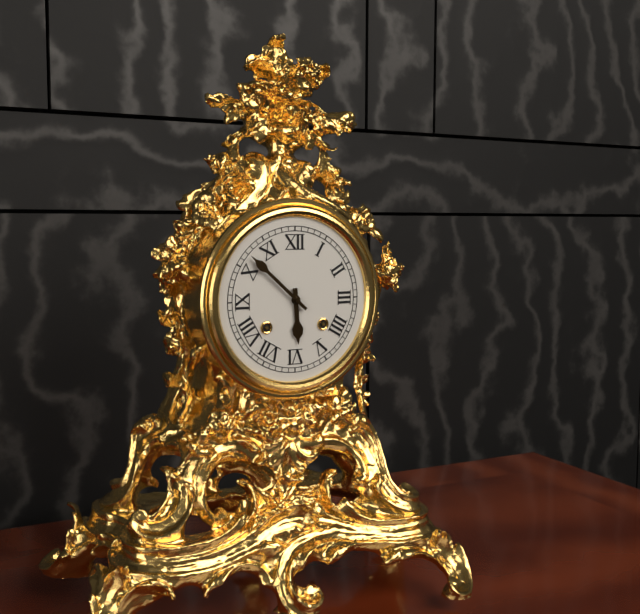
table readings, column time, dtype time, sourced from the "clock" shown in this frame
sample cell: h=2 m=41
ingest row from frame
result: h=5 m=52
